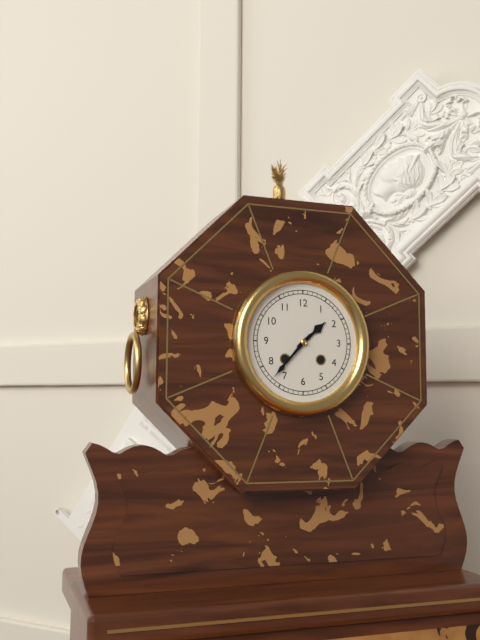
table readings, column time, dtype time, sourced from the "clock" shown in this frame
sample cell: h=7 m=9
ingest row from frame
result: h=1 m=37
